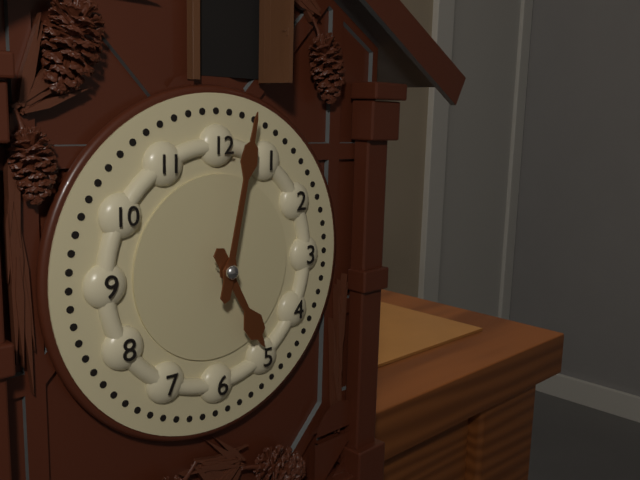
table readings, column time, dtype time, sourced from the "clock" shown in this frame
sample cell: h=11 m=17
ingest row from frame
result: h=5 m=2
